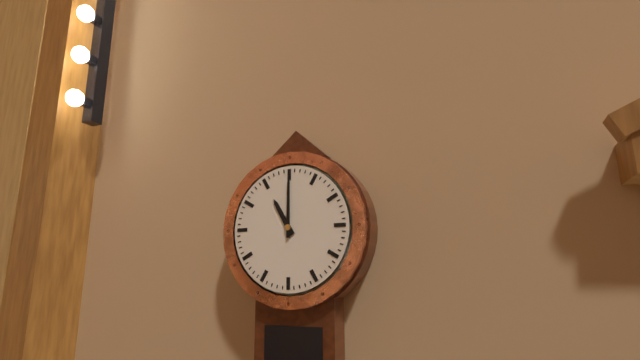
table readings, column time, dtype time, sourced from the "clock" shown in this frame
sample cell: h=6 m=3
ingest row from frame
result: h=11 m=0
